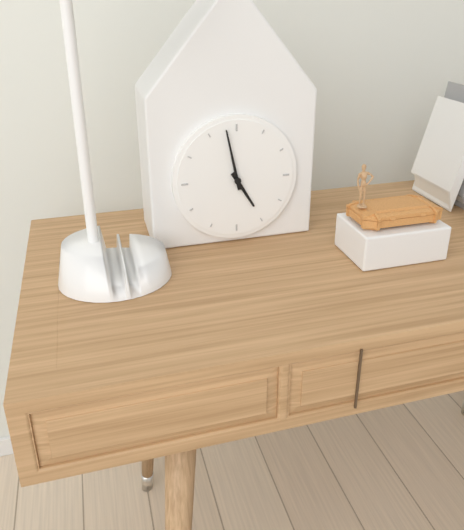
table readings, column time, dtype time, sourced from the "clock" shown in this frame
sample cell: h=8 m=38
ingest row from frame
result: h=4 m=58
